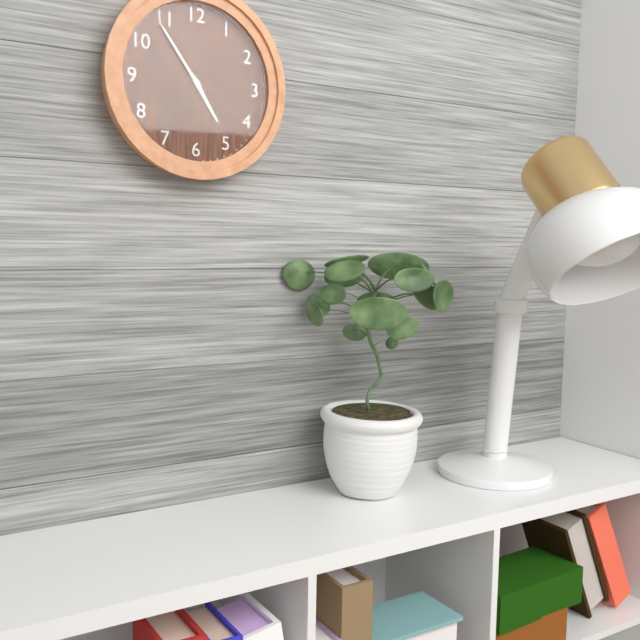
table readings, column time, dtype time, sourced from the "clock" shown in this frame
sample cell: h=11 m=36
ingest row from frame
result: h=4 m=54
